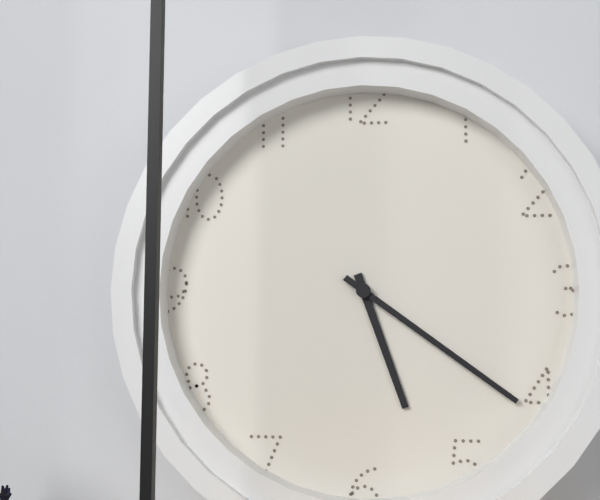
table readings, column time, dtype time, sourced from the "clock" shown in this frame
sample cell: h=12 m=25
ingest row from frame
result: h=5 m=21
